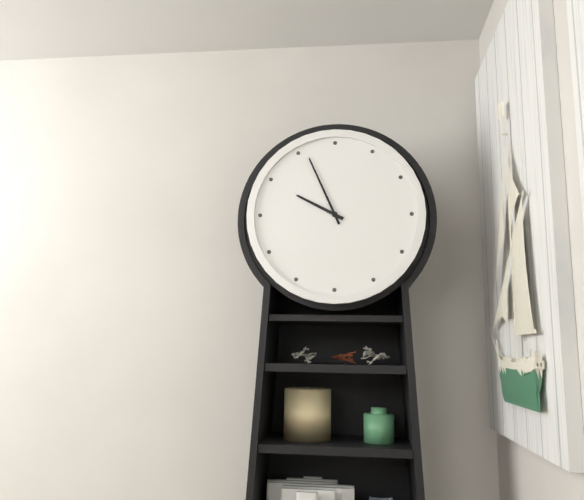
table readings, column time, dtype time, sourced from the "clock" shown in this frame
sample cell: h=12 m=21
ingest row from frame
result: h=9 m=56
